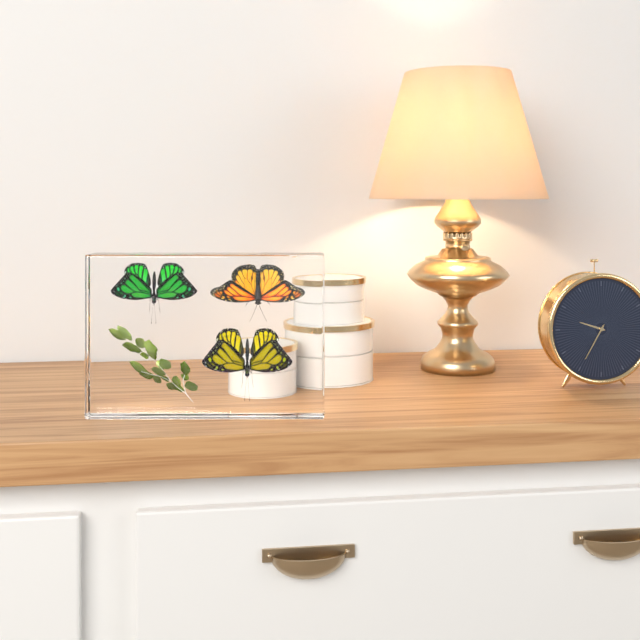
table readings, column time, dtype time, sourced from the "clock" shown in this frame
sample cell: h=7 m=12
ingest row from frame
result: h=9 m=35
